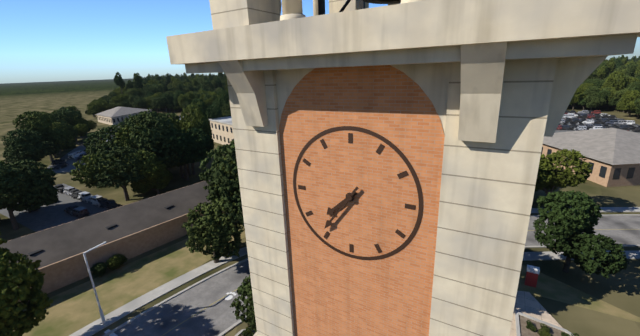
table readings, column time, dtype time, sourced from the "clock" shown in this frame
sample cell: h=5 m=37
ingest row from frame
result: h=7 m=36
